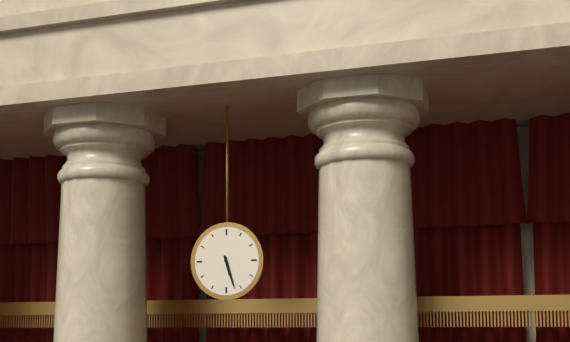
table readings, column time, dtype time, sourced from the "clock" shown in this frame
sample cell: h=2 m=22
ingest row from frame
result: h=5 m=27
